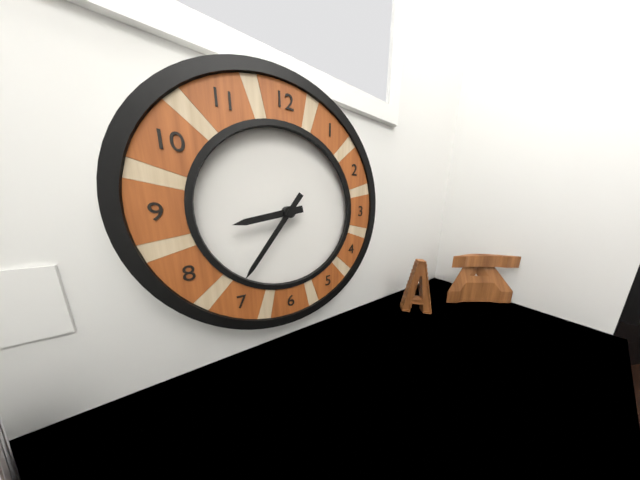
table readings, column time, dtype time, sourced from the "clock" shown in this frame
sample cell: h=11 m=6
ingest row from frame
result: h=8 m=36
